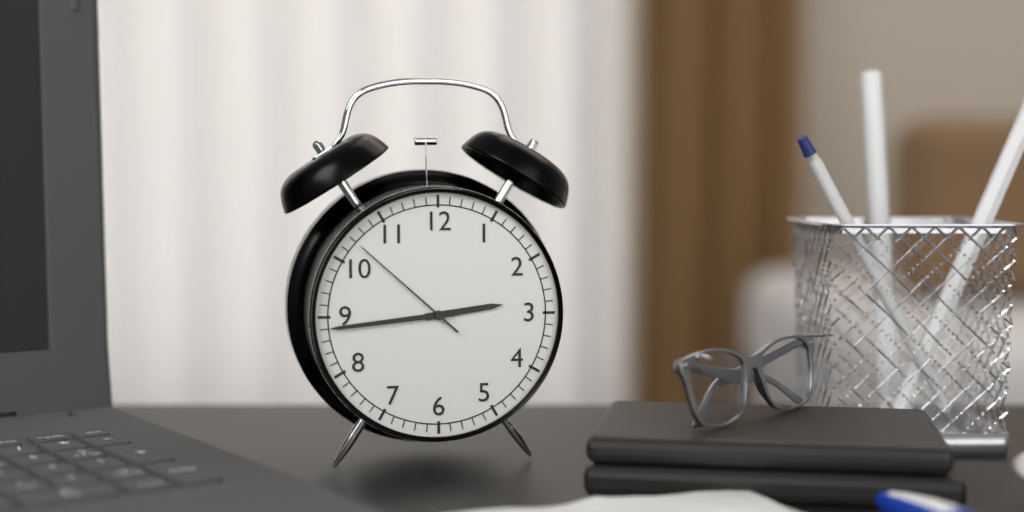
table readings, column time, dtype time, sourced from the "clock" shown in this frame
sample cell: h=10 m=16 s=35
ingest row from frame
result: h=2 m=44 s=52
